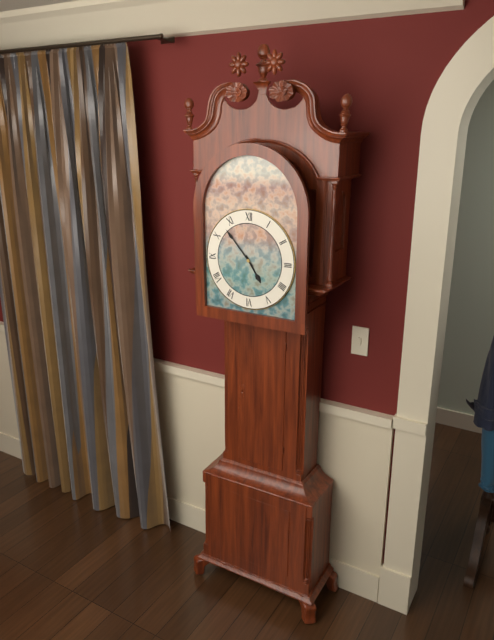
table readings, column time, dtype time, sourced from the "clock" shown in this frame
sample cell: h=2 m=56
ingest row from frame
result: h=4 m=53
